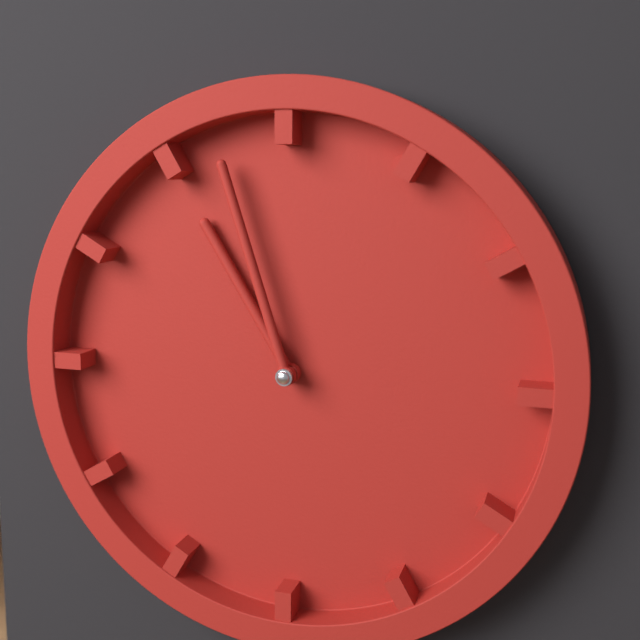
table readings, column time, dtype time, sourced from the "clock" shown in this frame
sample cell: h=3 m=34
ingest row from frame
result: h=10 m=57
